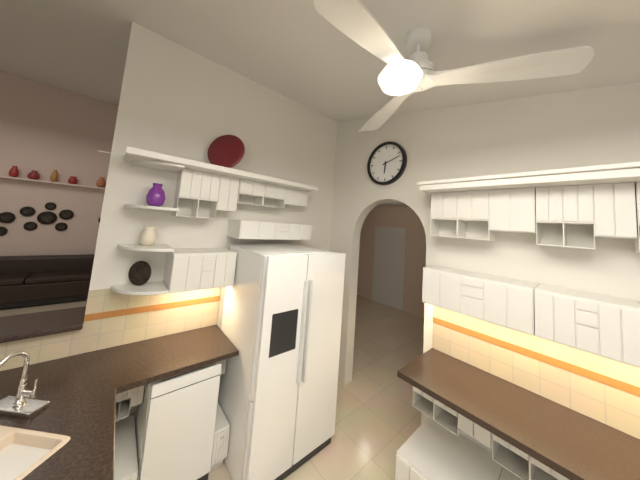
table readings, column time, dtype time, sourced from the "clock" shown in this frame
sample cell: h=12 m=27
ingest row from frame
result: h=6 m=12
